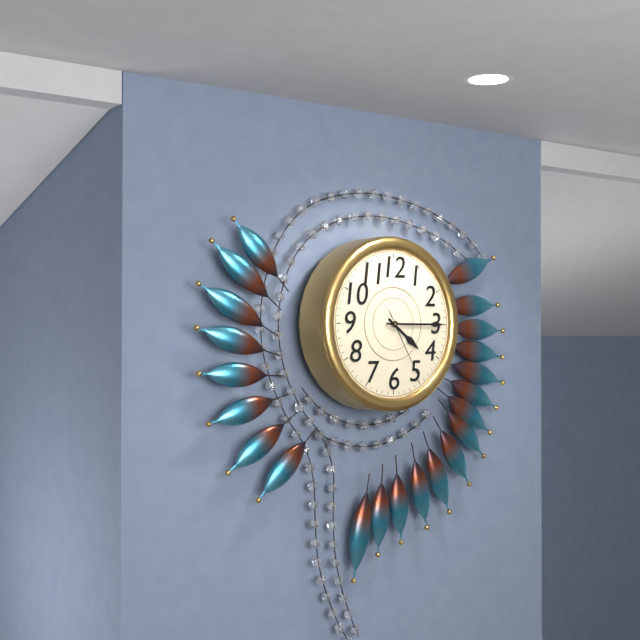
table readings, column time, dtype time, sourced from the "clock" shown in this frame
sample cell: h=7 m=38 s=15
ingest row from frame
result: h=4 m=15 s=25
